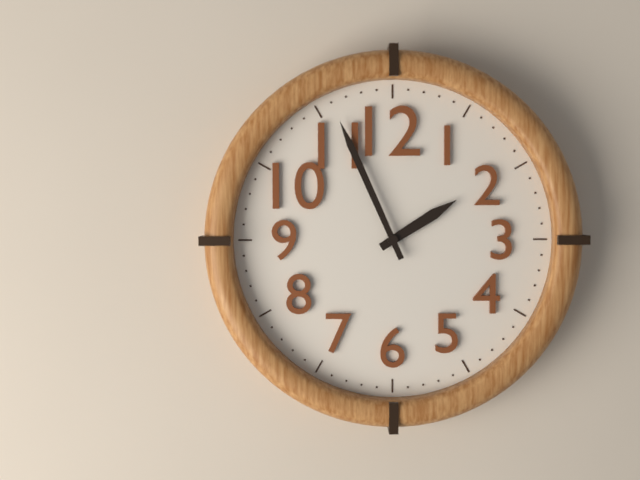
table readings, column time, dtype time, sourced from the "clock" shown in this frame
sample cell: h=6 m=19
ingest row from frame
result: h=1 m=56
